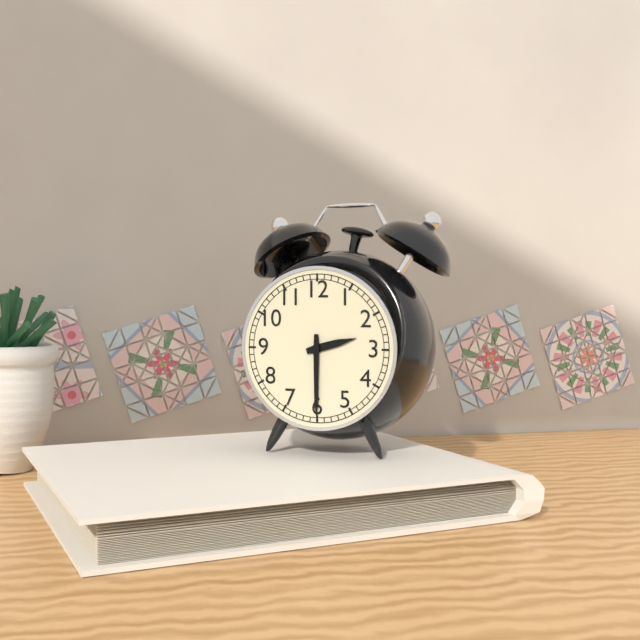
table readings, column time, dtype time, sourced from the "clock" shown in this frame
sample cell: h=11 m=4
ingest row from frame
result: h=2 m=30
